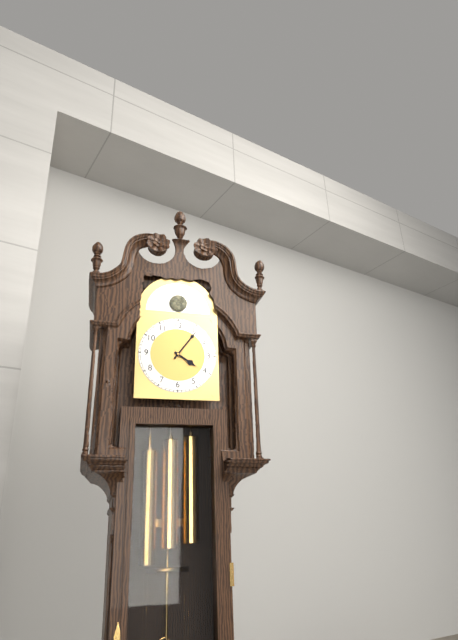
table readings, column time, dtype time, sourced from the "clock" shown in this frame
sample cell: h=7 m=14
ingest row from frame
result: h=4 m=6
